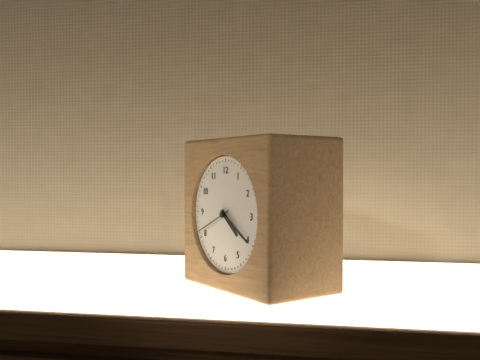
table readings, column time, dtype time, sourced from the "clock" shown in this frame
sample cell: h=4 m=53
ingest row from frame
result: h=4 m=20
